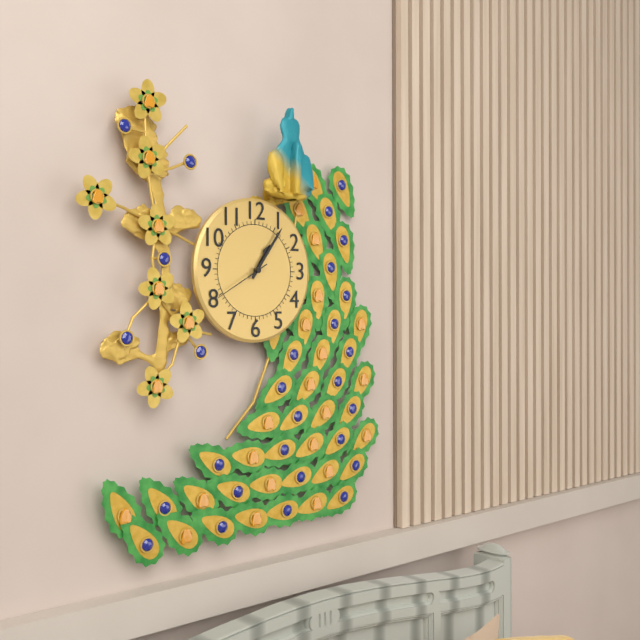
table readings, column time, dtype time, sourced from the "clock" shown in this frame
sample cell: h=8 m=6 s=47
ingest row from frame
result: h=1 m=6 s=40
